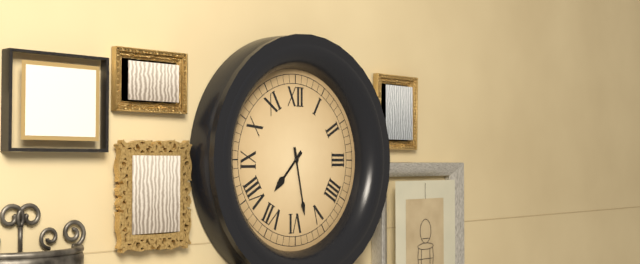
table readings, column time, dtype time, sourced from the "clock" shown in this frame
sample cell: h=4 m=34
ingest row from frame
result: h=7 m=28
